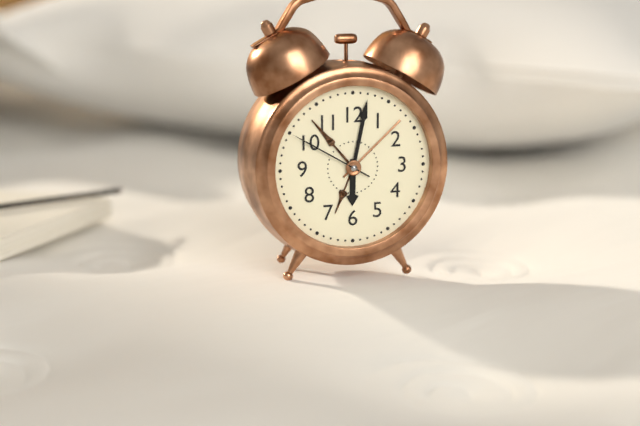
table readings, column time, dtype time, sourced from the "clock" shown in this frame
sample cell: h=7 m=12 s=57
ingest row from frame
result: h=6 m=2 s=50
